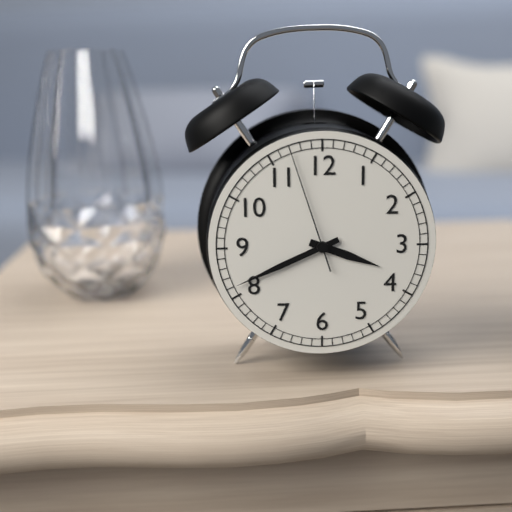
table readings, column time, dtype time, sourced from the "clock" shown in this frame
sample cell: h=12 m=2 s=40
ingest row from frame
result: h=3 m=41 s=57
